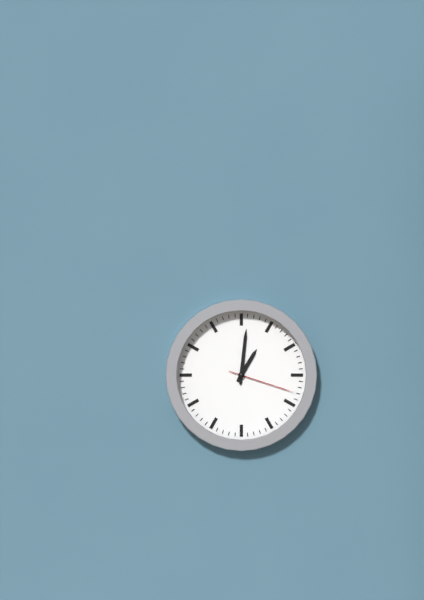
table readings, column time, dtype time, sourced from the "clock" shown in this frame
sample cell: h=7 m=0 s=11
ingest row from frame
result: h=1 m=1 s=18
